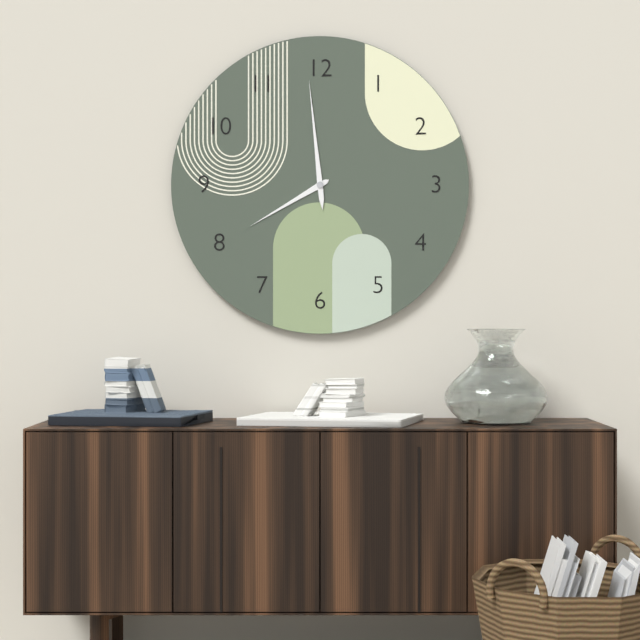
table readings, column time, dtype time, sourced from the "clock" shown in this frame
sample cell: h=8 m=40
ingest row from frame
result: h=7 m=59
